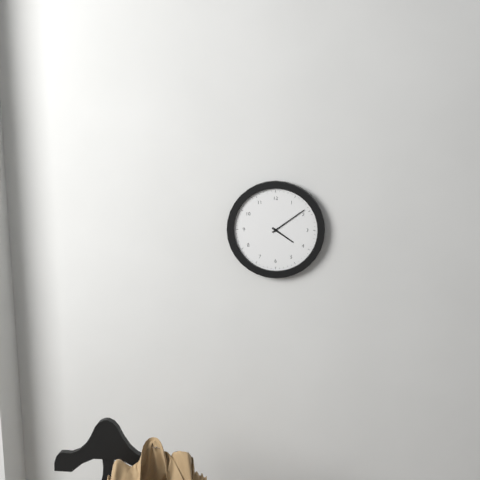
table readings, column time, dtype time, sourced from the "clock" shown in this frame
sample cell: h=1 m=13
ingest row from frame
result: h=4 m=9
